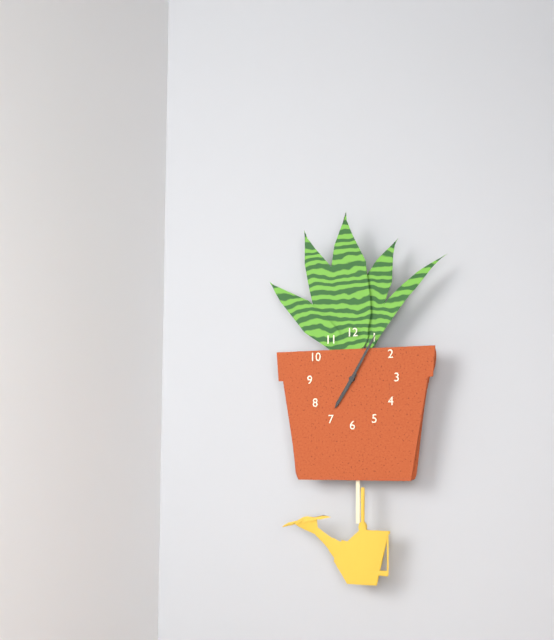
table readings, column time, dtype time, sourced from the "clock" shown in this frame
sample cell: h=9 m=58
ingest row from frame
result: h=7 m=5
